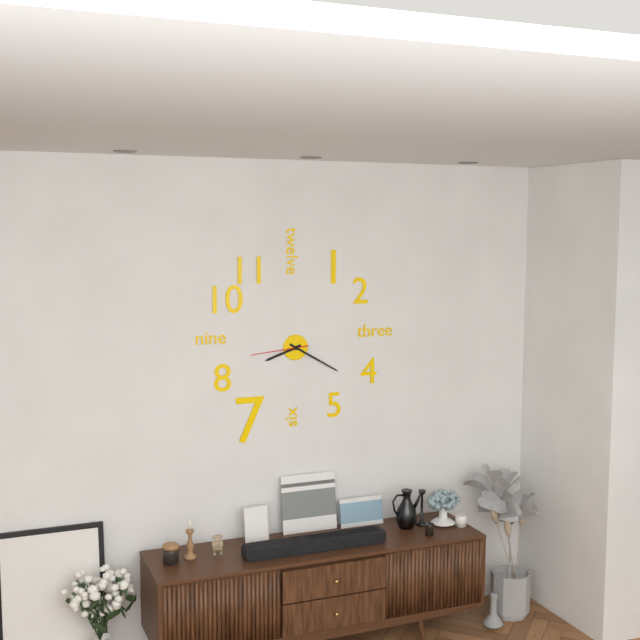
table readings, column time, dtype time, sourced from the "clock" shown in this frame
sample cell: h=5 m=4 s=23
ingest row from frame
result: h=8 m=20 s=44
